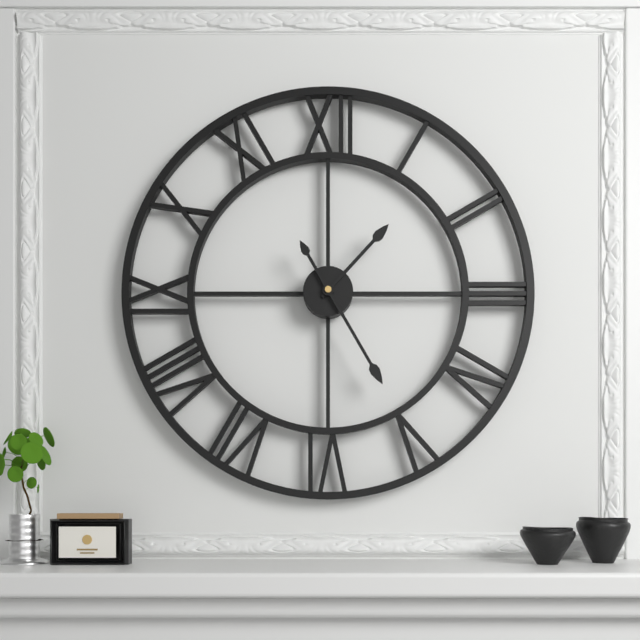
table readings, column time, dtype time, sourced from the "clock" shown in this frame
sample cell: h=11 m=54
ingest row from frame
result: h=1 m=25
